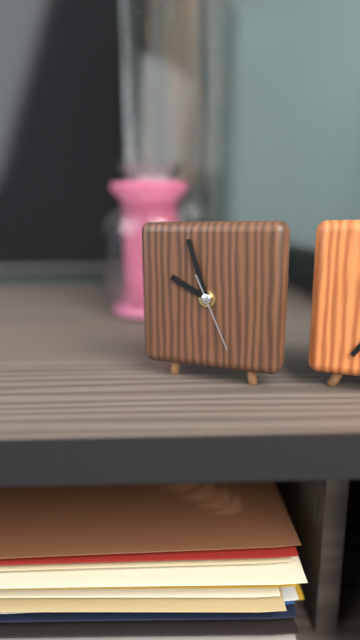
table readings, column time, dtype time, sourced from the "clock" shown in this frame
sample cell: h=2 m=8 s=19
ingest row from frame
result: h=9 m=57 s=26
